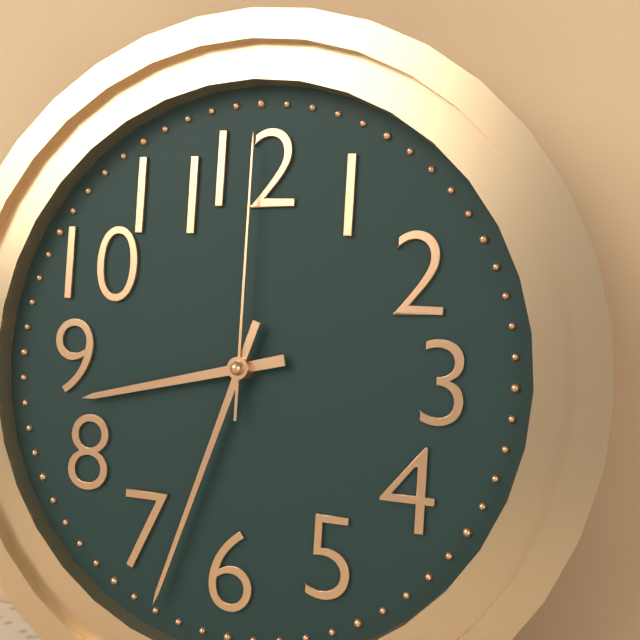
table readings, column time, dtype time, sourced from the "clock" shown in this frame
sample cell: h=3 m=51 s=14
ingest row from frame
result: h=8 m=33 s=0
